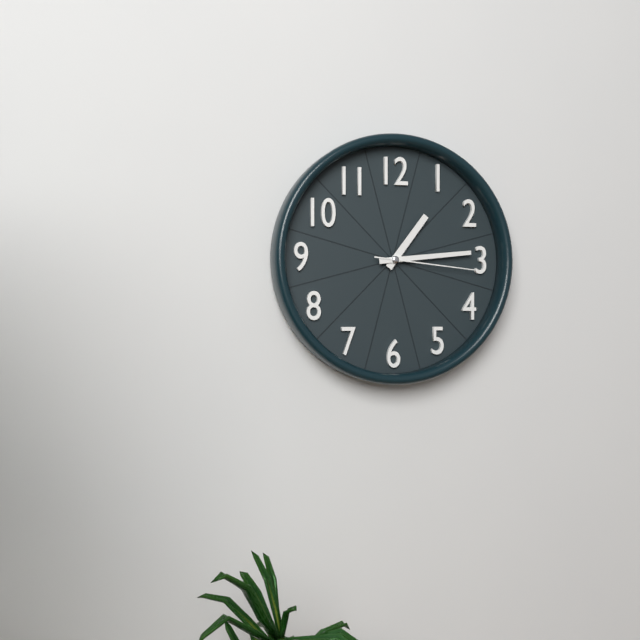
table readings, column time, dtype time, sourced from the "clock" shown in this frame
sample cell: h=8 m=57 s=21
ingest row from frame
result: h=1 m=14 s=16
